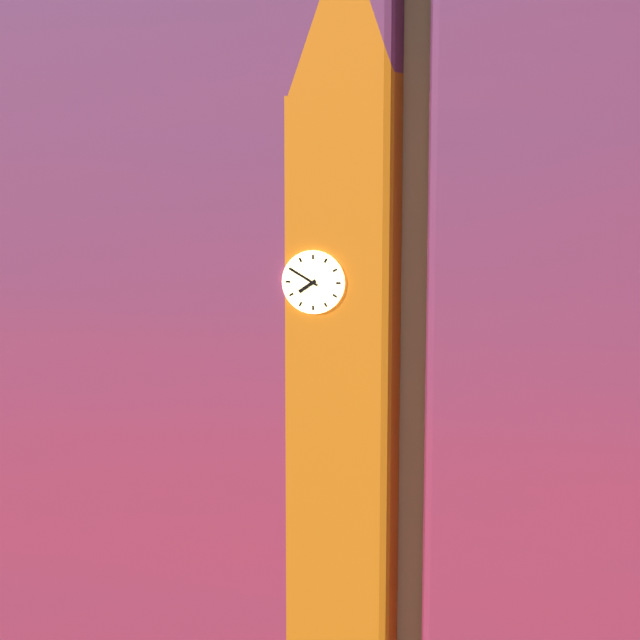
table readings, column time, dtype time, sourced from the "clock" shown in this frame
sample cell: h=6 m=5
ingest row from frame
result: h=7 m=50
